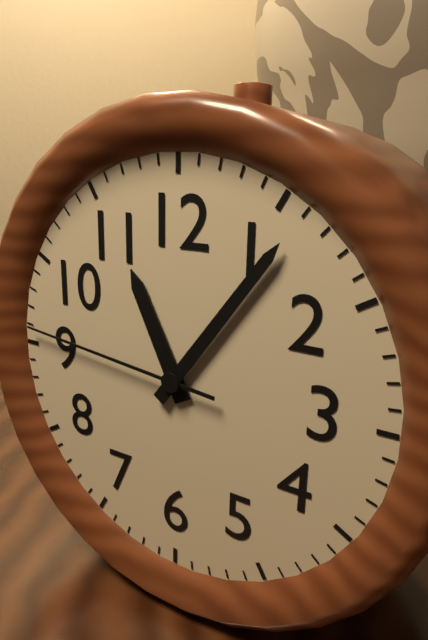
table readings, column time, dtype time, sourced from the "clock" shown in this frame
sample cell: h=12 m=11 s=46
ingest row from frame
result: h=11 m=6 s=46
